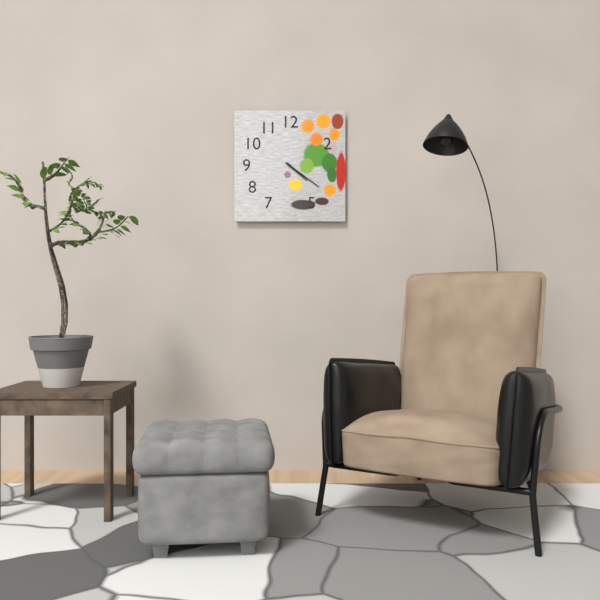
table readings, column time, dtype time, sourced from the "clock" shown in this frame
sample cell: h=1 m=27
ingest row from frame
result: h=4 m=21
